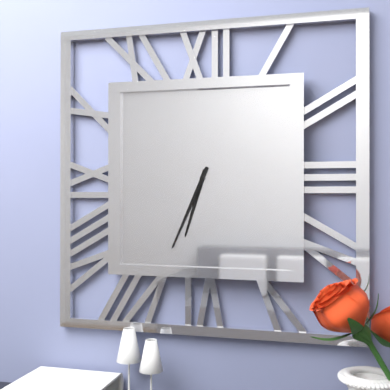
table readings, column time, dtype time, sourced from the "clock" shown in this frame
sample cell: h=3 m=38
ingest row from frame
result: h=6 m=34
